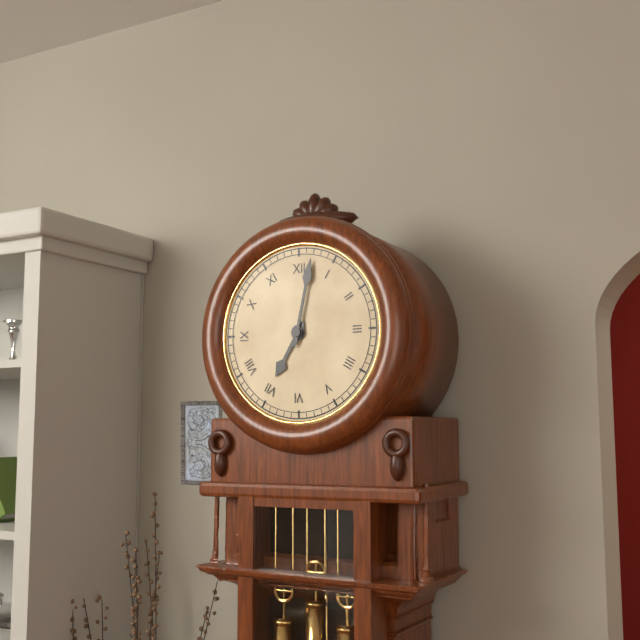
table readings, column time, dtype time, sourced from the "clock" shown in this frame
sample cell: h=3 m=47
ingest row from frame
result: h=7 m=2
